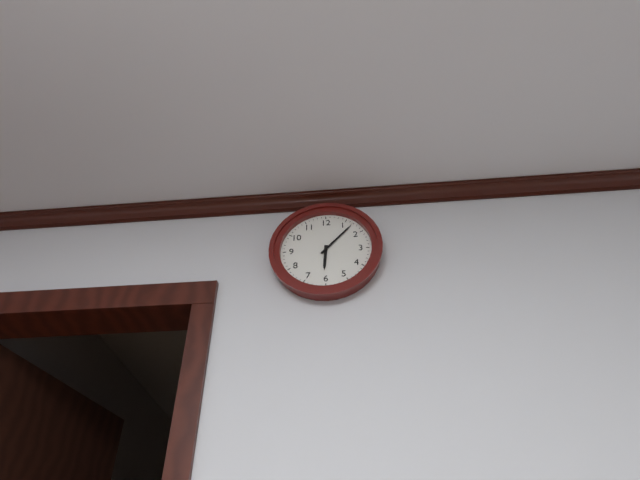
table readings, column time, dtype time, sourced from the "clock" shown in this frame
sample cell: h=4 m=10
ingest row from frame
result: h=6 m=7
